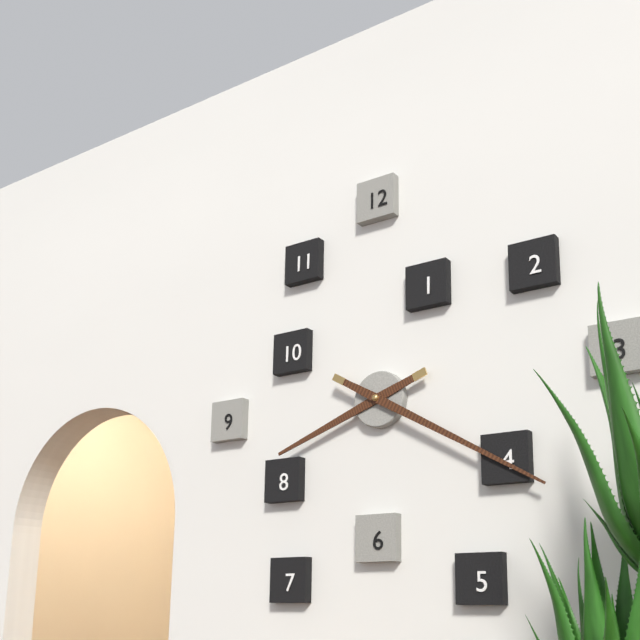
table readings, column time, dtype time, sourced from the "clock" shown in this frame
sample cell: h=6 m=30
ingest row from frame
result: h=8 m=20
